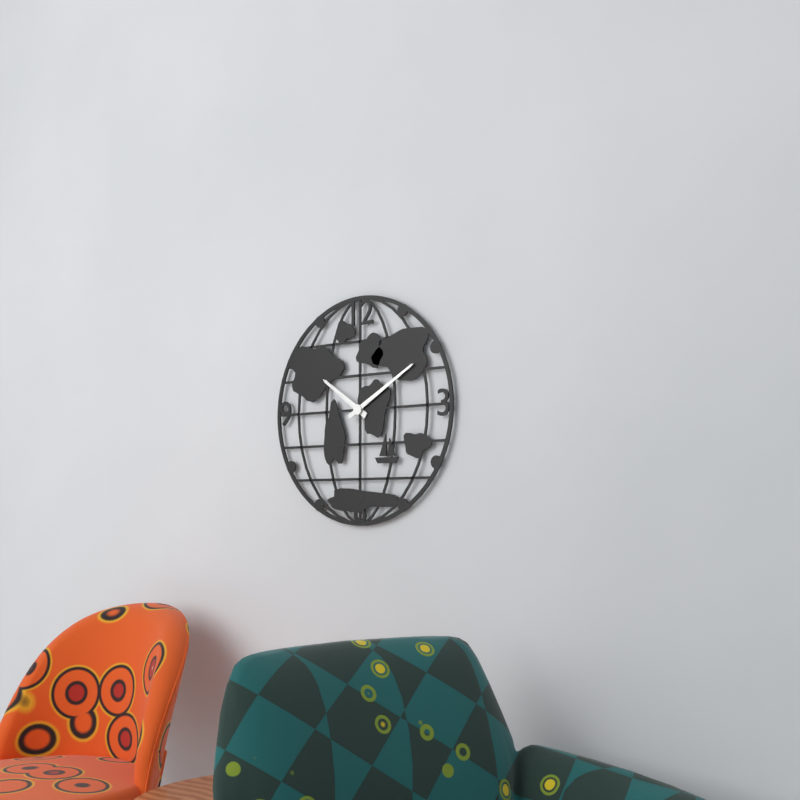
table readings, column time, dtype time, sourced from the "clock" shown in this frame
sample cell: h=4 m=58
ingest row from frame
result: h=10 m=10
